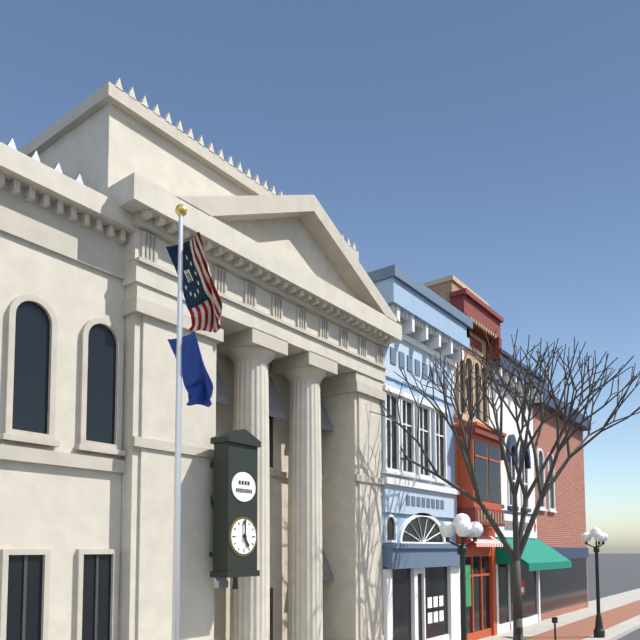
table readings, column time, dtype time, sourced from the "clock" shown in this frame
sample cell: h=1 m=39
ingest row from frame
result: h=5 m=0
